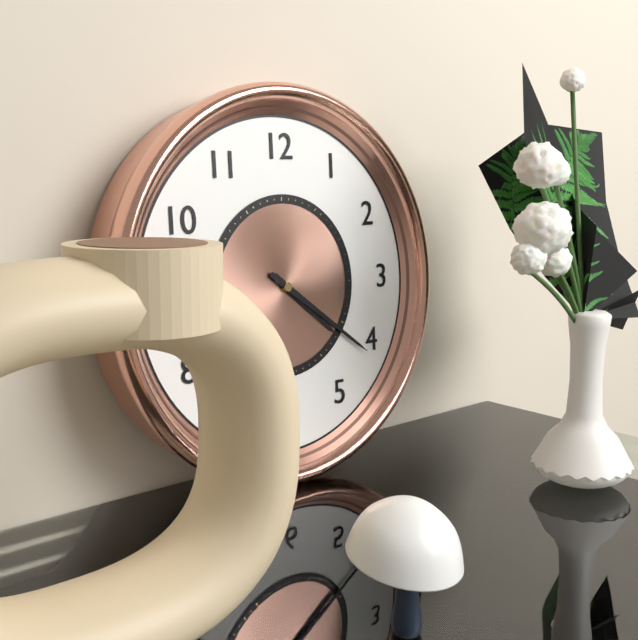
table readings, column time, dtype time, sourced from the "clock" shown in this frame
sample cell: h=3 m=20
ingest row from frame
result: h=4 m=21
